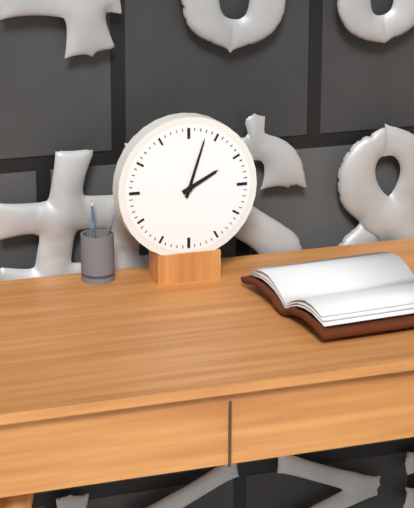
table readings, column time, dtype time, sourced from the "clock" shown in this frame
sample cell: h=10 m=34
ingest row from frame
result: h=2 m=3
